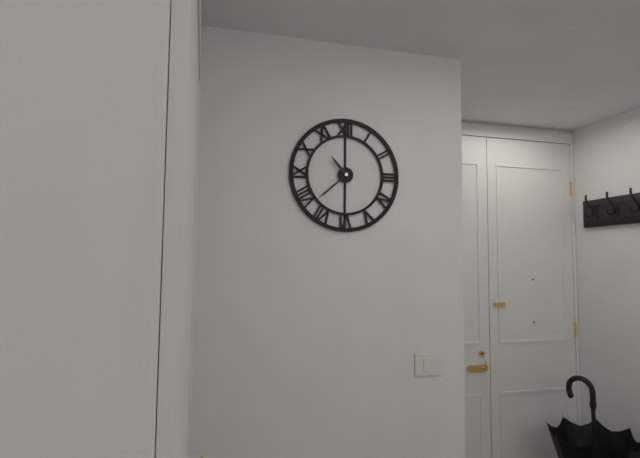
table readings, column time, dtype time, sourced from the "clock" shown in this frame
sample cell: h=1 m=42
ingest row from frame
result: h=10 m=38
